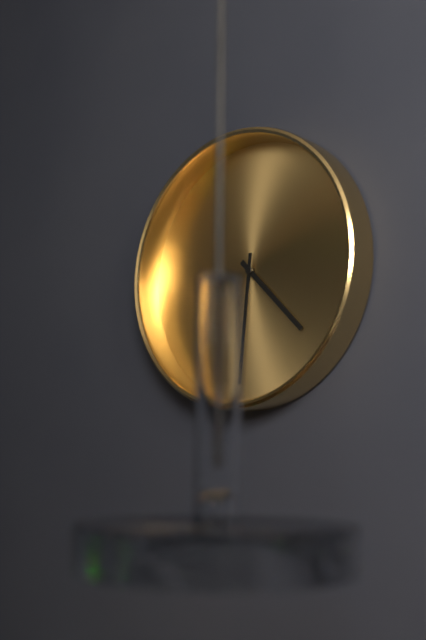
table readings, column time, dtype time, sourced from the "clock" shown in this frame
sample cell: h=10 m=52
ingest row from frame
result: h=4 m=31
